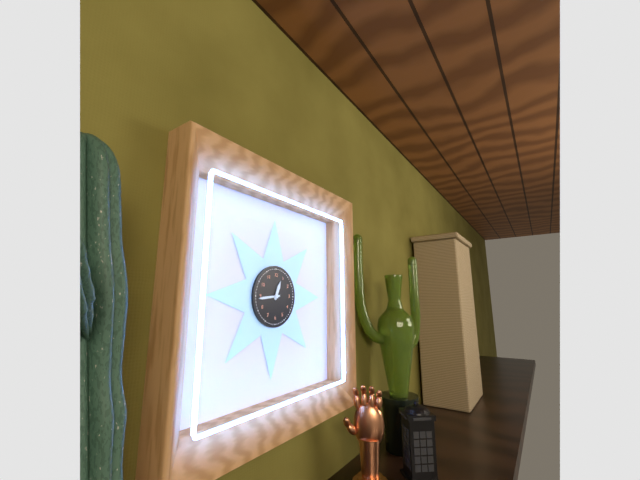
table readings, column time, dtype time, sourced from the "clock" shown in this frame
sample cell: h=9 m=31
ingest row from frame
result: h=12 m=44
